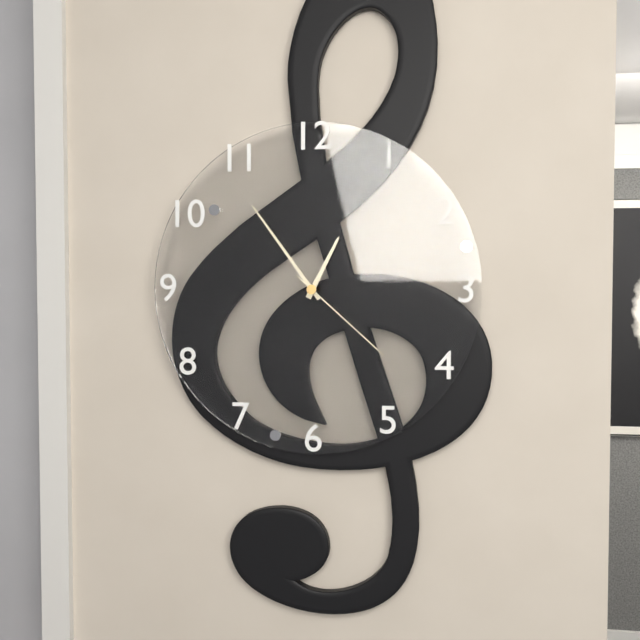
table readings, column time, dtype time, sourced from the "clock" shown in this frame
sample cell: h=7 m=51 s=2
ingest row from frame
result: h=12 m=54 s=22
